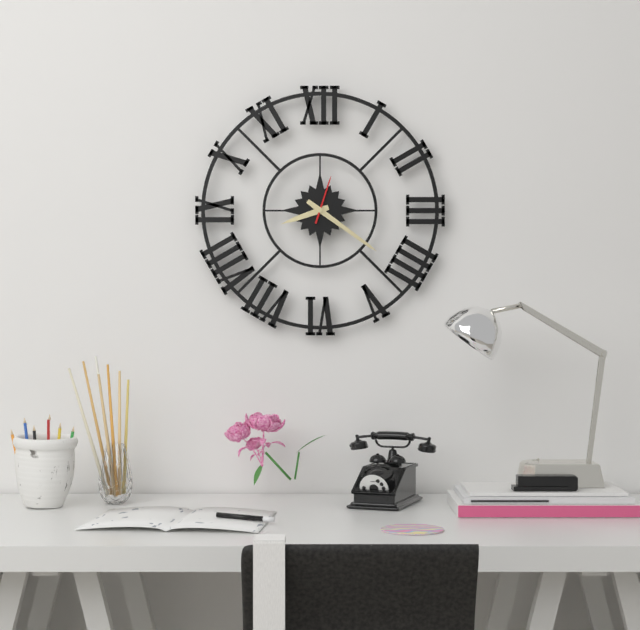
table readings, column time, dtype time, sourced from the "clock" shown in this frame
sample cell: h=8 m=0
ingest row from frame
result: h=8 m=21
